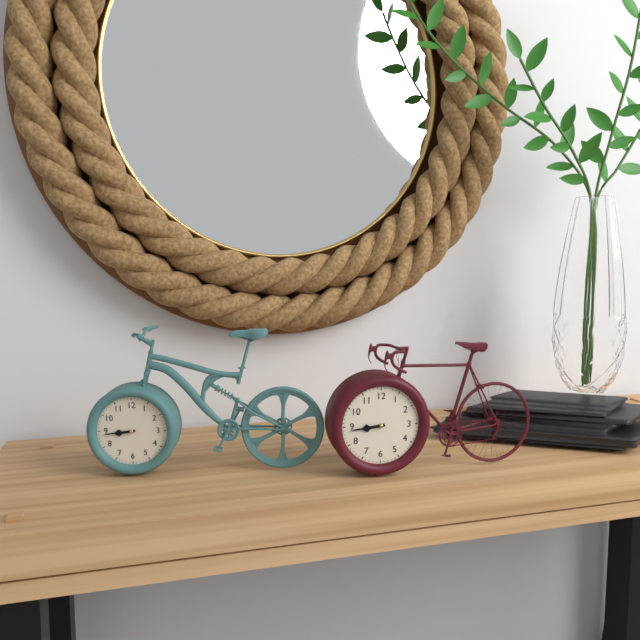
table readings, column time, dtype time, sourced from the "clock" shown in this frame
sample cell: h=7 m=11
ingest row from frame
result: h=8 m=44
